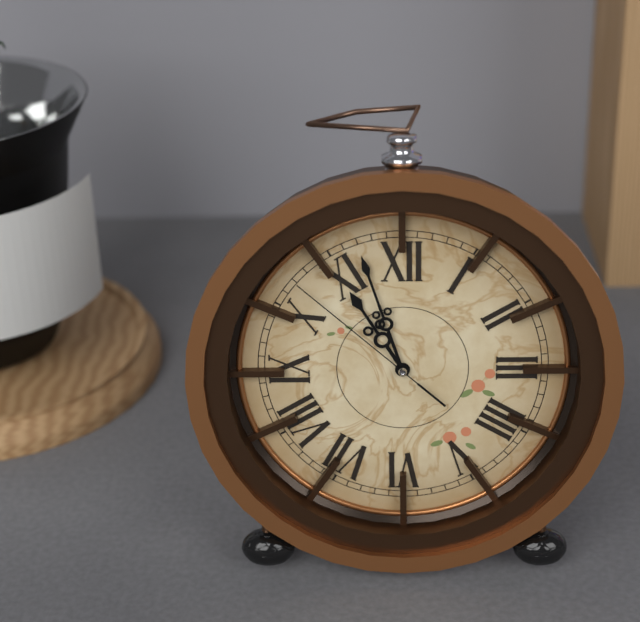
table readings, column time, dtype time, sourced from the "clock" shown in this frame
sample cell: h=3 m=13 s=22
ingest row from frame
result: h=10 m=57 s=52
